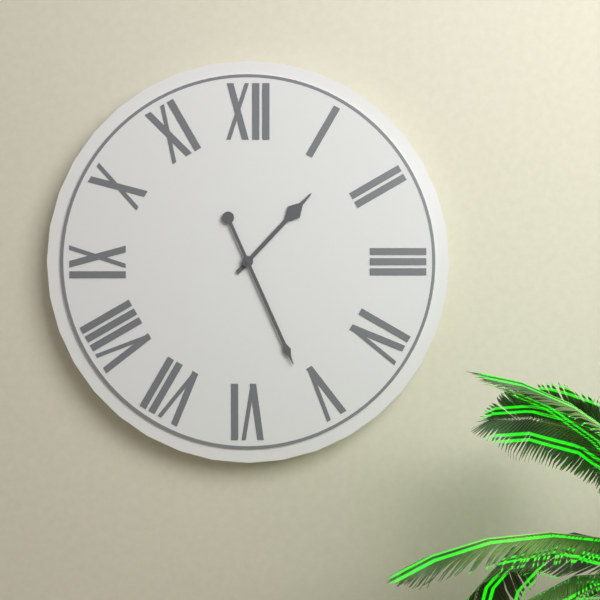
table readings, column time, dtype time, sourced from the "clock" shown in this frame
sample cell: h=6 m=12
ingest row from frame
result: h=1 m=26
